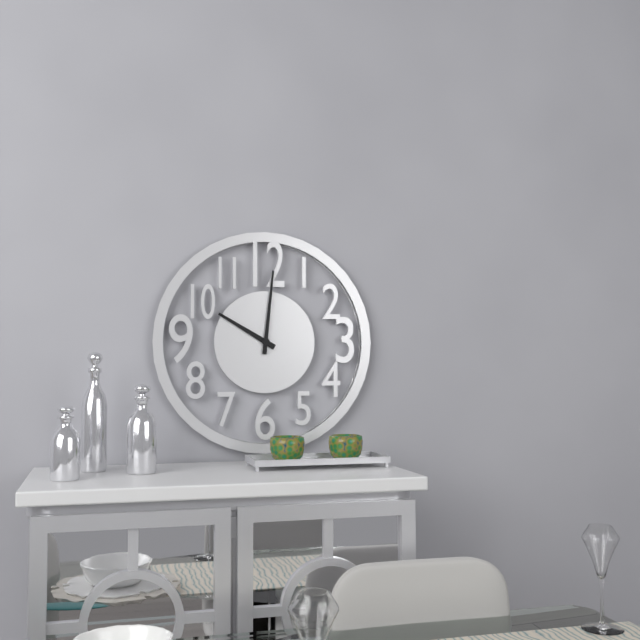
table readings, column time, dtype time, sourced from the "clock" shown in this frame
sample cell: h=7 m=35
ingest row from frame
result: h=10 m=1
